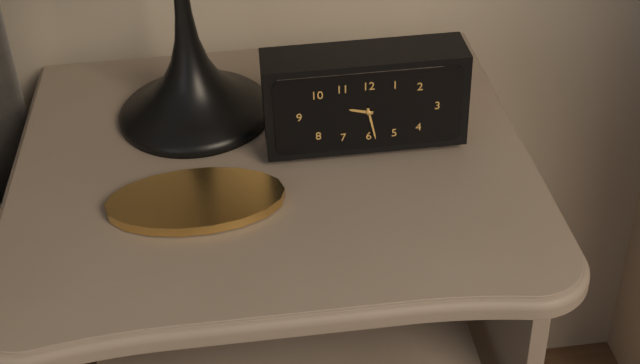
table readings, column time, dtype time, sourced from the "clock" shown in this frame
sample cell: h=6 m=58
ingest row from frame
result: h=9 m=28
